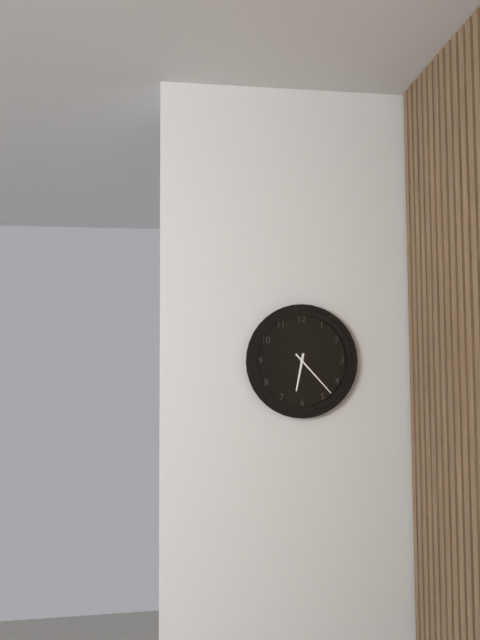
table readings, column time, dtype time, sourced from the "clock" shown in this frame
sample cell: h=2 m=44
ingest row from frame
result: h=6 m=23
